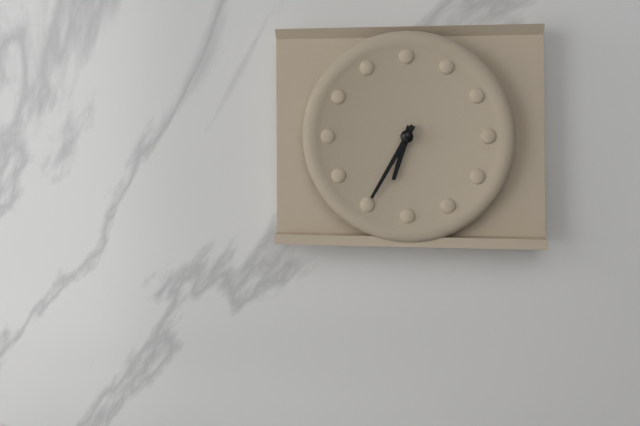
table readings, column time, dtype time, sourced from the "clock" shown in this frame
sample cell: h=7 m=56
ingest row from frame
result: h=6 m=35
